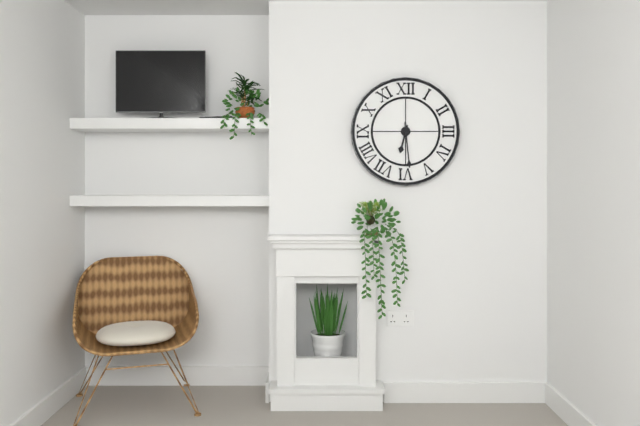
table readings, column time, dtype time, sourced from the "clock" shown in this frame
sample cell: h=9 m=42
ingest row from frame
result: h=6 m=29
